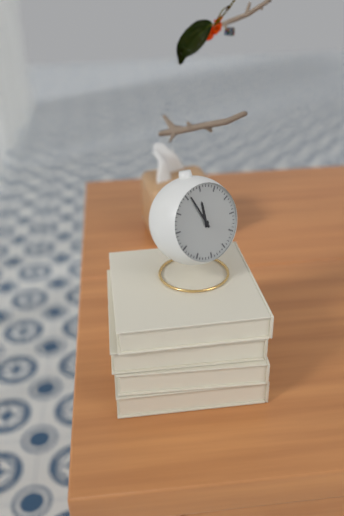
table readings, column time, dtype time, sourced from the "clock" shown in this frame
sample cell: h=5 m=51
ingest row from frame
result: h=11 m=56
